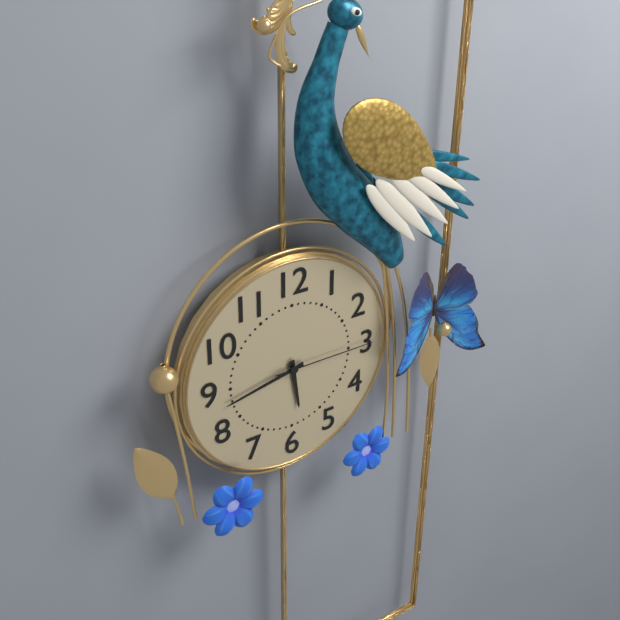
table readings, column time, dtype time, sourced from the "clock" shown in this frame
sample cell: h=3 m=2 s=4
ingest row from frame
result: h=5 m=43 s=15
